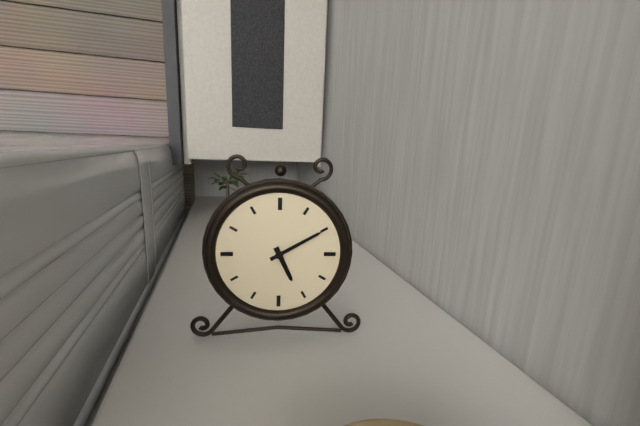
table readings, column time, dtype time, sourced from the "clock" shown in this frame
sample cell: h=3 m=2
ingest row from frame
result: h=5 m=10
